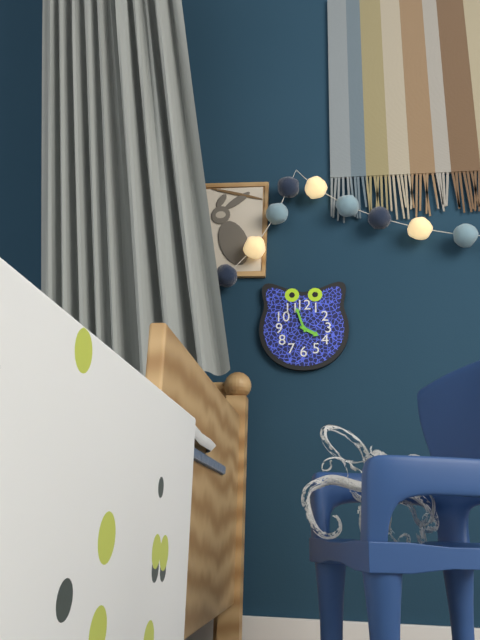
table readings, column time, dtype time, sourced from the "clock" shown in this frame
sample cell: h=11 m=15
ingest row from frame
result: h=3 m=57
